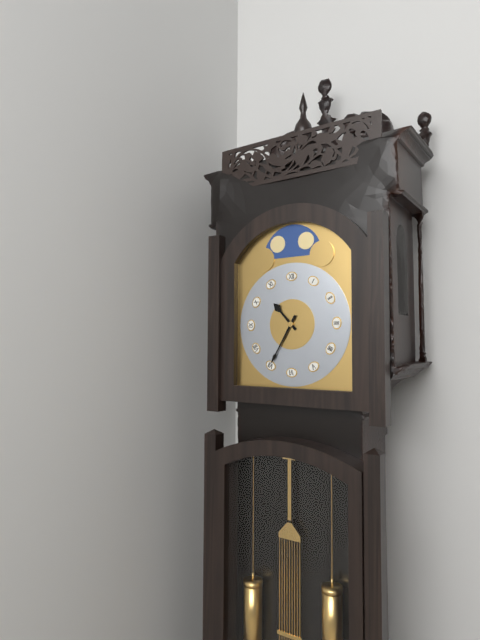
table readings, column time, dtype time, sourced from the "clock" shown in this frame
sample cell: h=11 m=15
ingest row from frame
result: h=10 m=35
